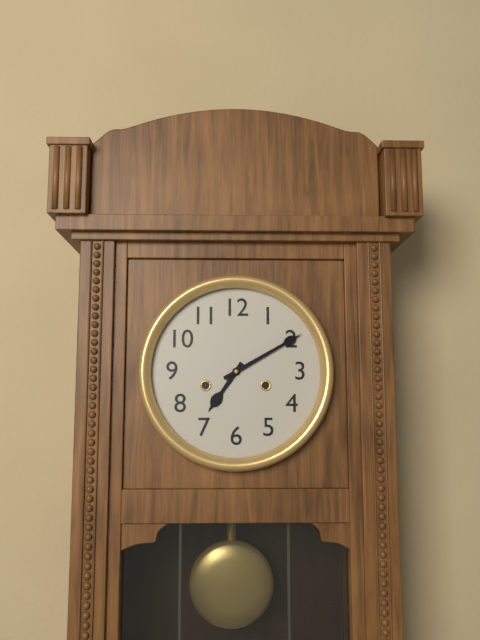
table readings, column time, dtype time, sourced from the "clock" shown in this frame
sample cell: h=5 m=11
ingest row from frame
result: h=7 m=10
